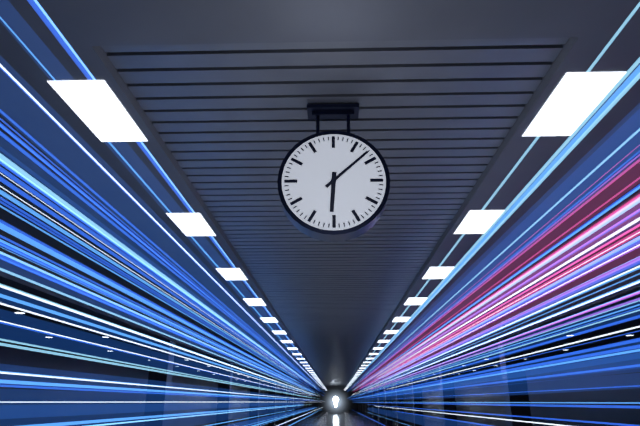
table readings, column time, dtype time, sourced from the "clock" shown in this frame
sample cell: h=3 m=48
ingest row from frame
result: h=6 m=8
